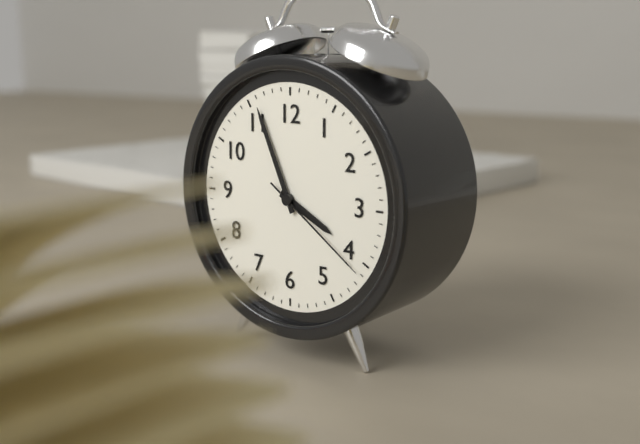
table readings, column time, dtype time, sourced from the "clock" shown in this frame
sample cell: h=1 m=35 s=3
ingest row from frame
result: h=3 m=56 s=21
